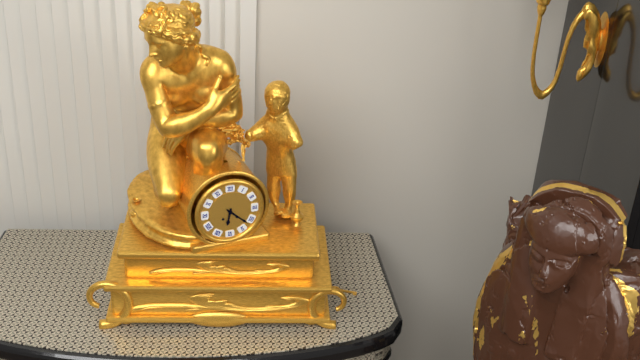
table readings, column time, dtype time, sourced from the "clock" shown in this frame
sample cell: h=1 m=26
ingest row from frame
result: h=6 m=22
